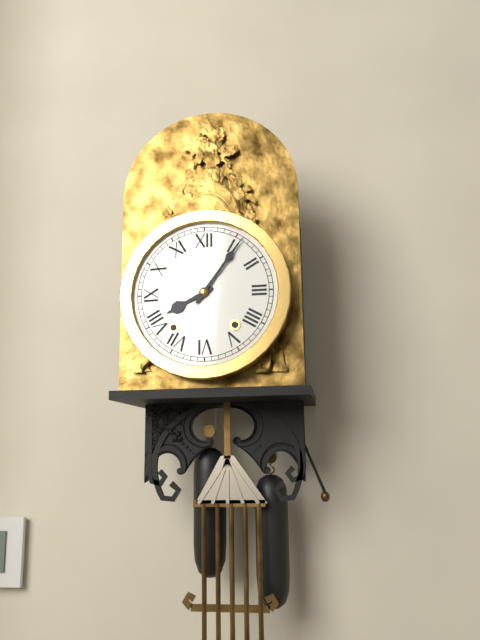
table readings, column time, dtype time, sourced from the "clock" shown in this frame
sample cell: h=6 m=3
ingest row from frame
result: h=8 m=6
